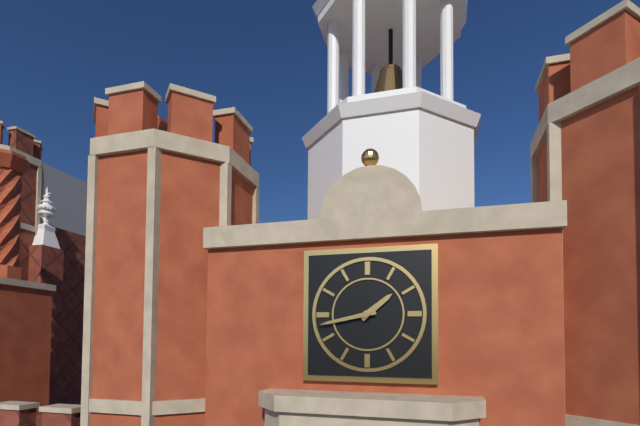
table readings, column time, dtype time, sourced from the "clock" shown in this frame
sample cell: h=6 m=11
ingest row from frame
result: h=1 m=43
